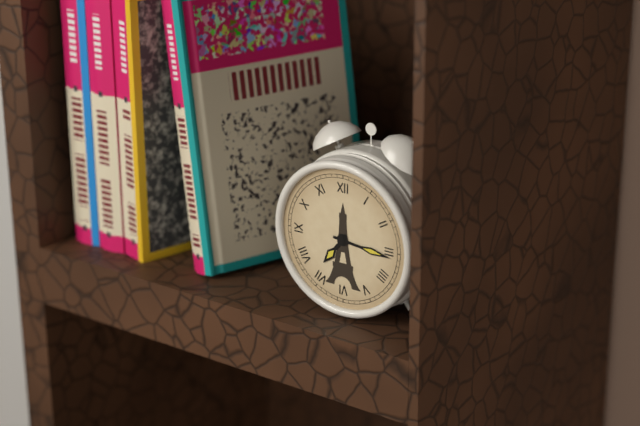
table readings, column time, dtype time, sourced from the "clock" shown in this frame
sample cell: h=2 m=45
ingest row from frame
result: h=7 m=16
